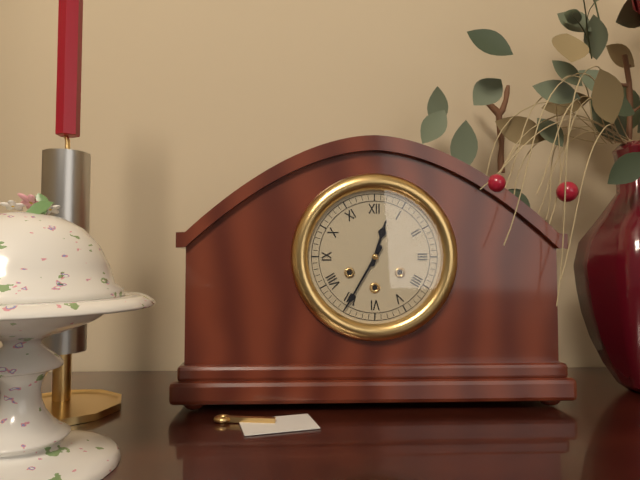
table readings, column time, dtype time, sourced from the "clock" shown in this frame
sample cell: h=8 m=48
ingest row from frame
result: h=12 m=35
